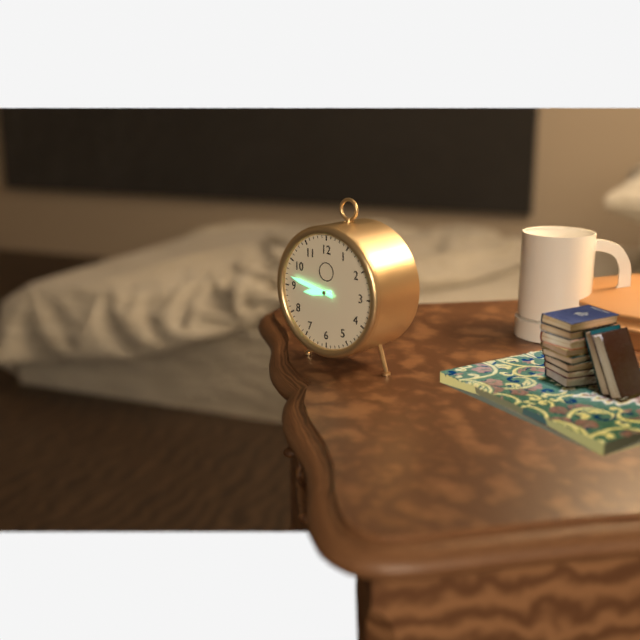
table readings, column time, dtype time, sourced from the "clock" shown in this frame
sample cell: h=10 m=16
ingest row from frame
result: h=8 m=47
